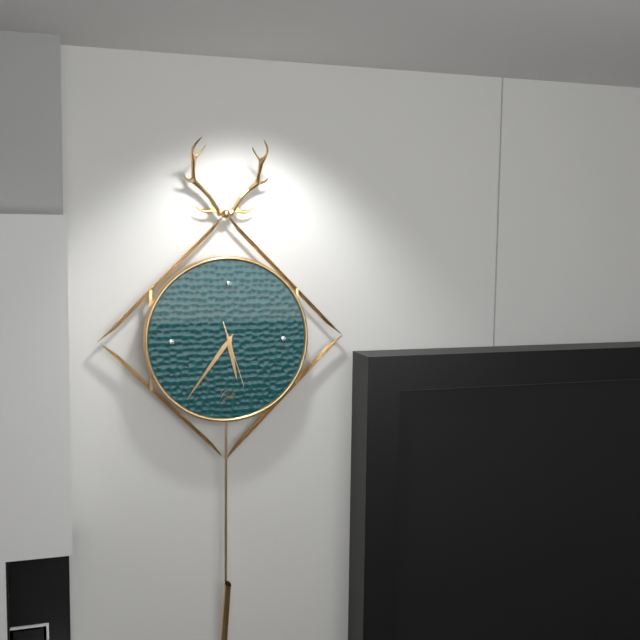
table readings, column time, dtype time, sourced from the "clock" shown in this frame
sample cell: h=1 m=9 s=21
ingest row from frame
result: h=5 m=36 s=27
